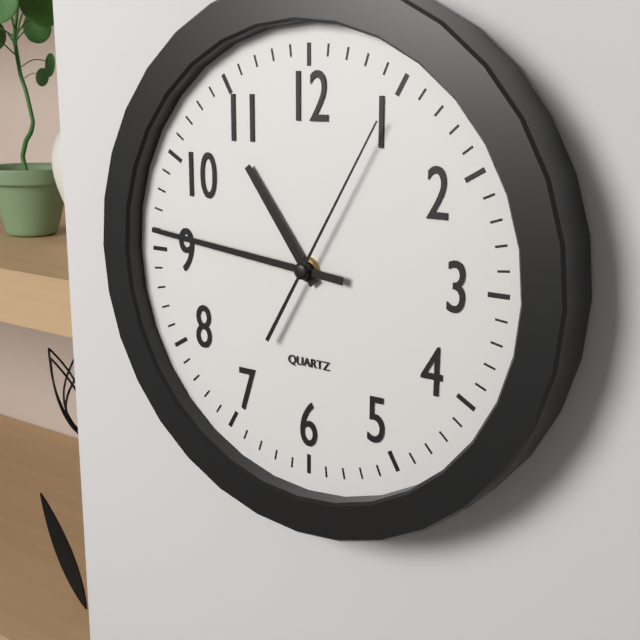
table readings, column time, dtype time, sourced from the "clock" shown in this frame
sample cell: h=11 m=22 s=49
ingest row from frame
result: h=10 m=46 s=5
